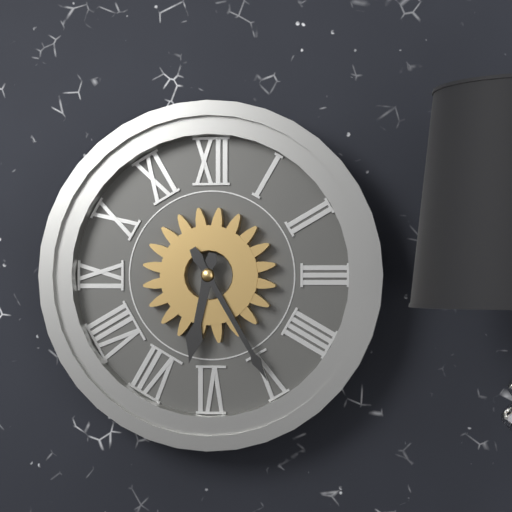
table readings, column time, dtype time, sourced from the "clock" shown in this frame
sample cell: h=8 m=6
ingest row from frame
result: h=6 m=25
